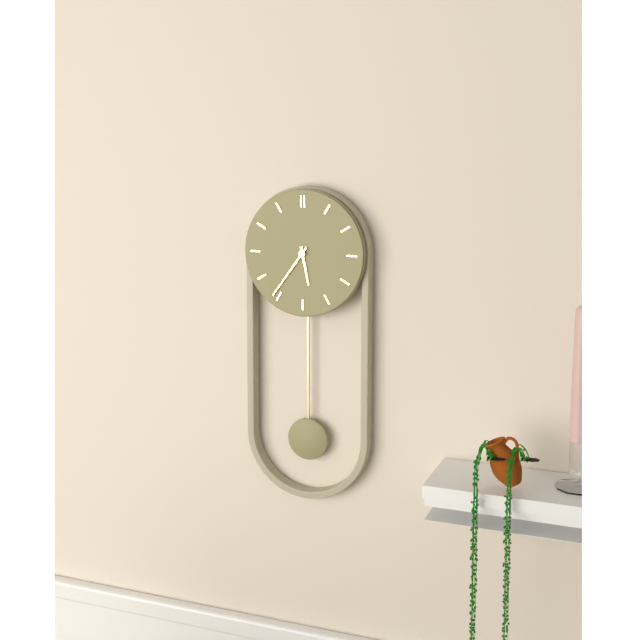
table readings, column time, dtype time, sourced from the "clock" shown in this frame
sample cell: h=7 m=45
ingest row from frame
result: h=5 m=36
